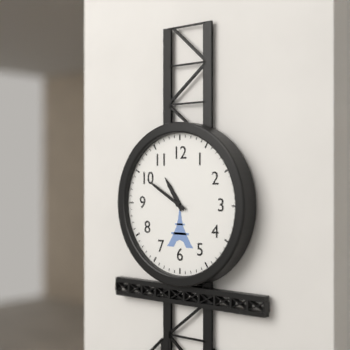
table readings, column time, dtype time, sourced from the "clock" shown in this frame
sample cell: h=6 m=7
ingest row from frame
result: h=10 m=50
